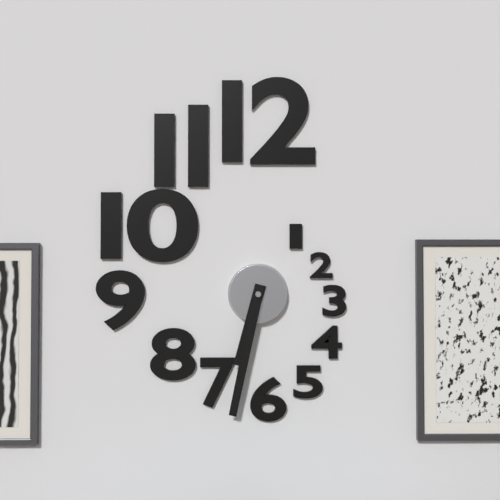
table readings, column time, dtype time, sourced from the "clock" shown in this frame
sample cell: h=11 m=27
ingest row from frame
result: h=6 m=32
